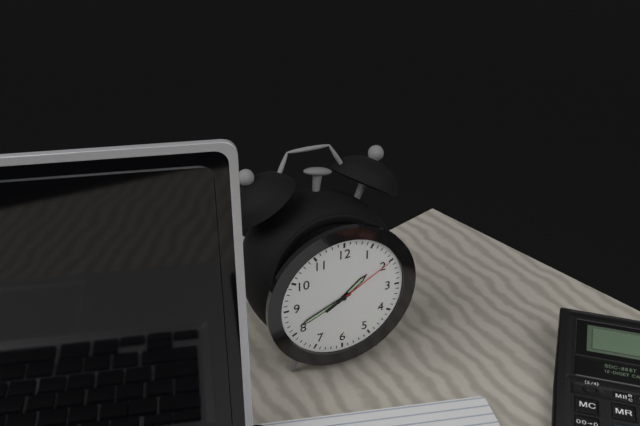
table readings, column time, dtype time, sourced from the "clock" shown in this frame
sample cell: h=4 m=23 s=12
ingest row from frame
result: h=1 m=41 s=10
